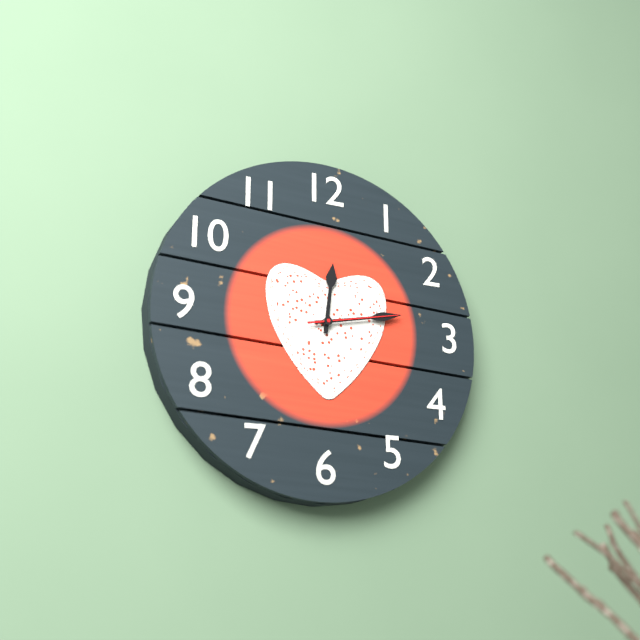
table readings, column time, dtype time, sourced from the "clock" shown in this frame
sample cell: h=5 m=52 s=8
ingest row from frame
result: h=12 m=13 s=13
